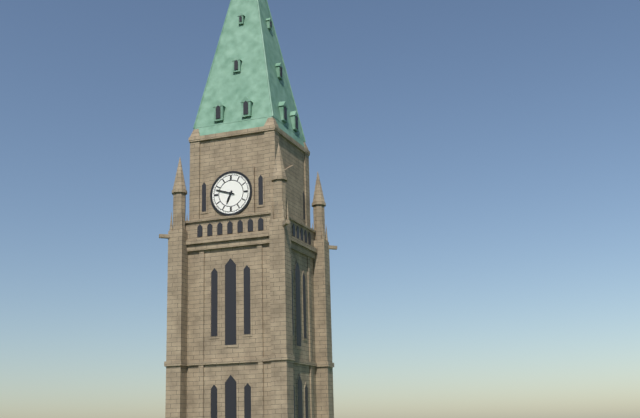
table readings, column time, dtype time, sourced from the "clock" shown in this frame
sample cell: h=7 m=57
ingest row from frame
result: h=6 m=48
